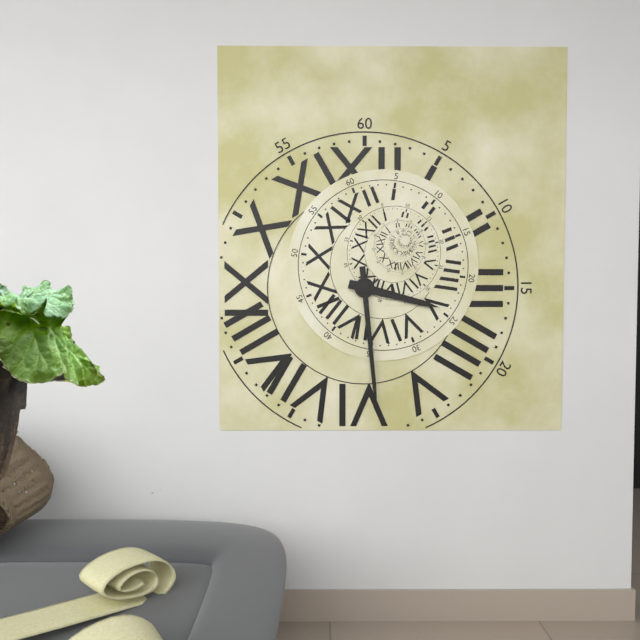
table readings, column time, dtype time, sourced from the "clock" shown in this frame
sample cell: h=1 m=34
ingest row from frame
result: h=3 m=29
